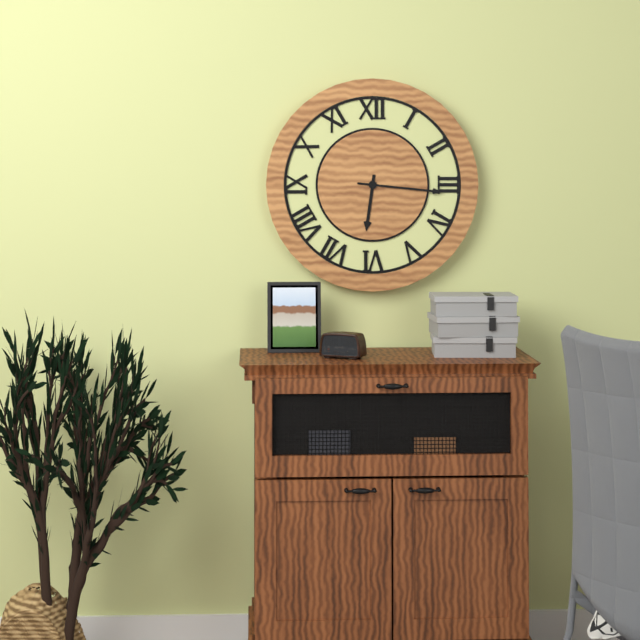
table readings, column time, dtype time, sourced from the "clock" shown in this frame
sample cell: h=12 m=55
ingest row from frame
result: h=6 m=16
